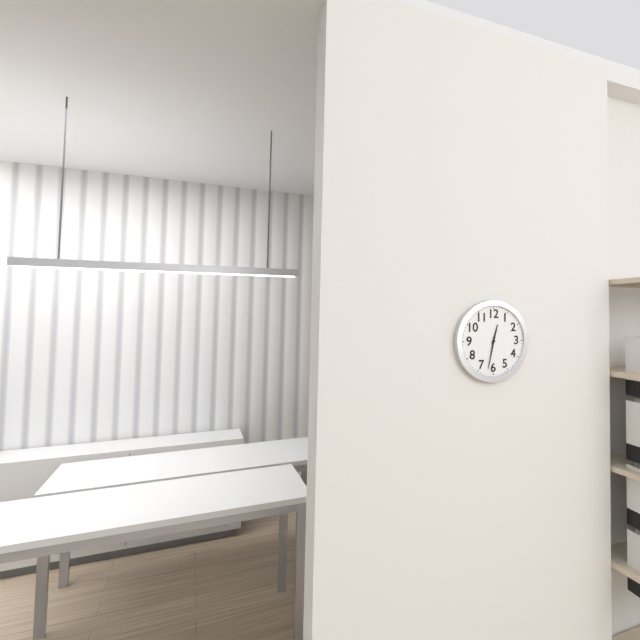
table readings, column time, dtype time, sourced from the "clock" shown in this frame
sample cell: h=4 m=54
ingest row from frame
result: h=12 m=32
